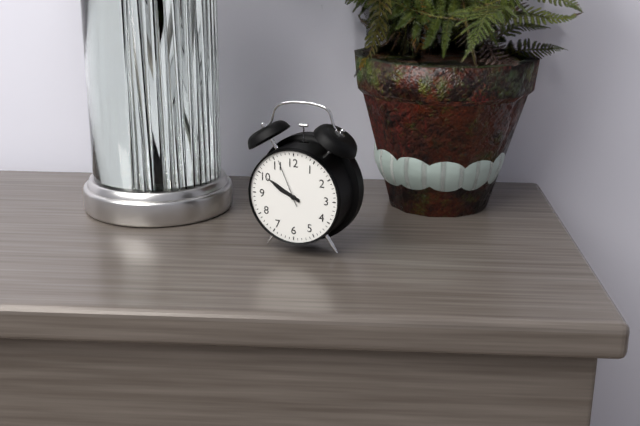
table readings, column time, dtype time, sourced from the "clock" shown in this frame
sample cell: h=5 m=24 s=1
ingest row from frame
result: h=9 m=50 s=56
